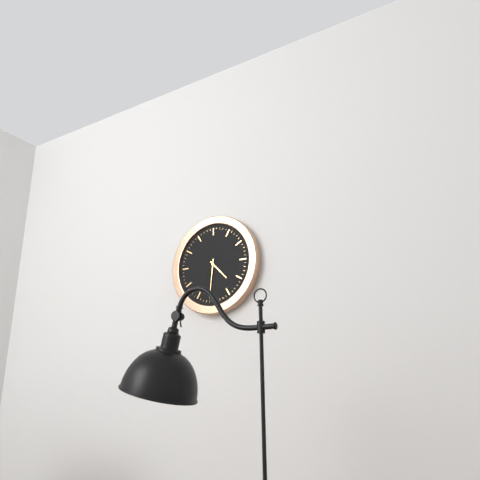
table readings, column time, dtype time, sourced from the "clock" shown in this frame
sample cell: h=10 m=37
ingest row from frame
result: h=4 m=31
